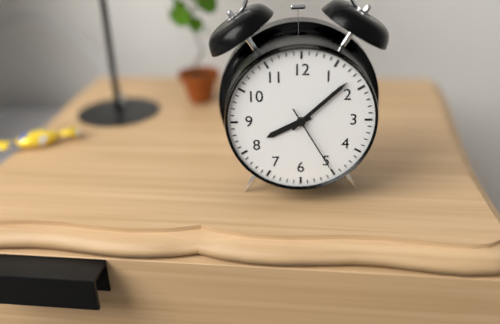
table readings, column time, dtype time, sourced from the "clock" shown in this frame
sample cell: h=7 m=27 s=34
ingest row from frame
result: h=8 m=8 s=25
